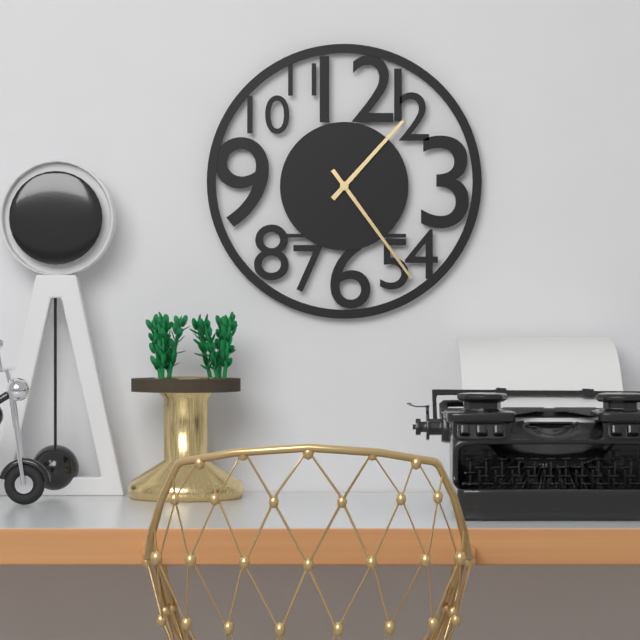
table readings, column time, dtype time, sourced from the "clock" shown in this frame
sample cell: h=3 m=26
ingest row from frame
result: h=1 m=24
